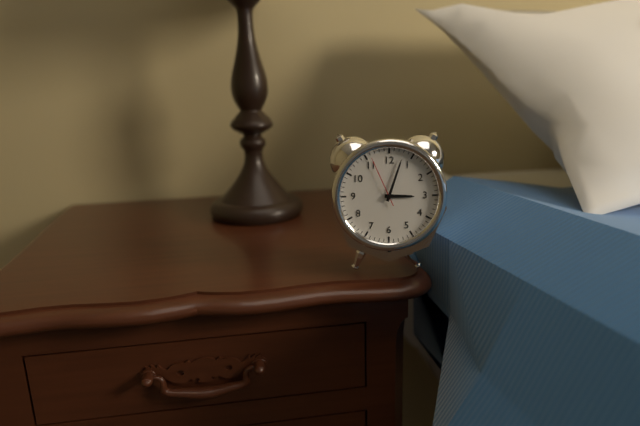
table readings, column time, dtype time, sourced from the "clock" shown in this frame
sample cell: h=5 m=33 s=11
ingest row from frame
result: h=3 m=3 s=56
